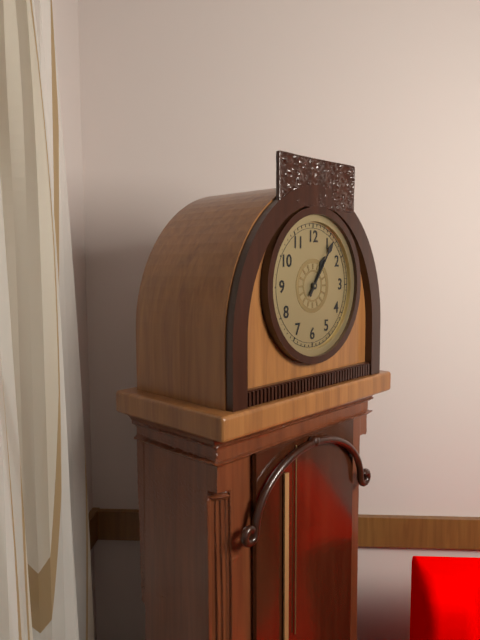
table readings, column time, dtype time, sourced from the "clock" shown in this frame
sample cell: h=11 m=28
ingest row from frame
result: h=1 m=6
